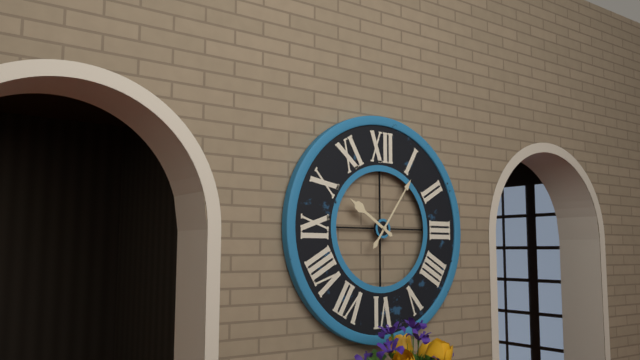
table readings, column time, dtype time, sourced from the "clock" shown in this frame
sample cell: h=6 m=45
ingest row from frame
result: h=10 m=6
